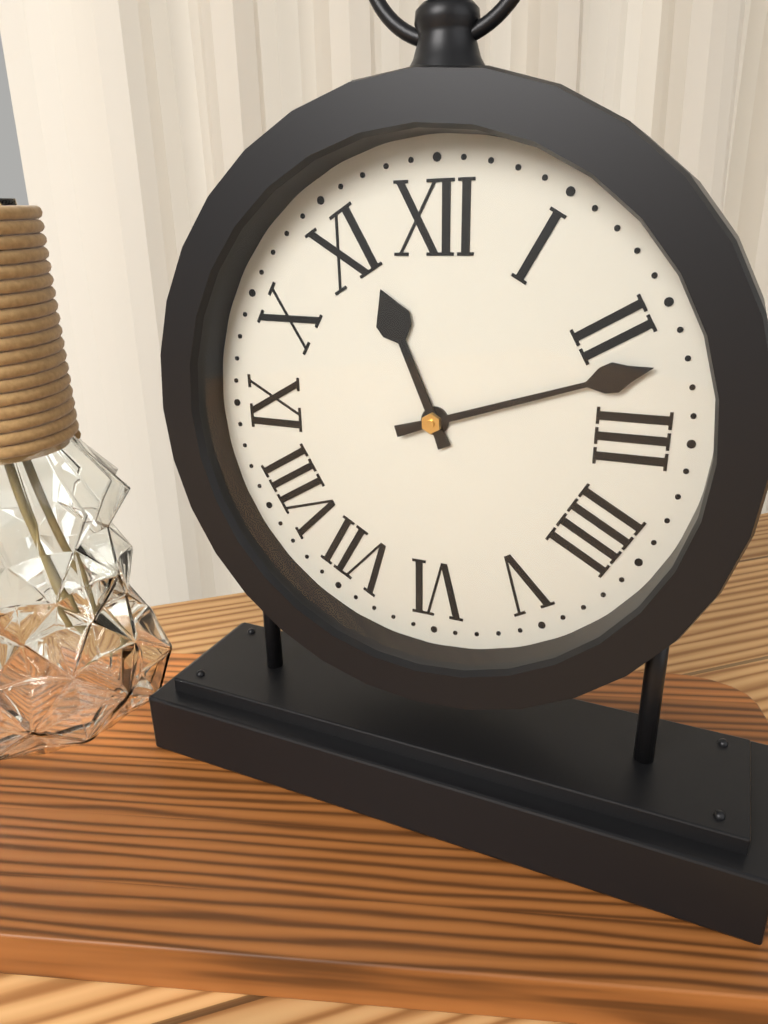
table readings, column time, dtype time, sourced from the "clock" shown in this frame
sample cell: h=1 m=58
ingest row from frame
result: h=11 m=12
